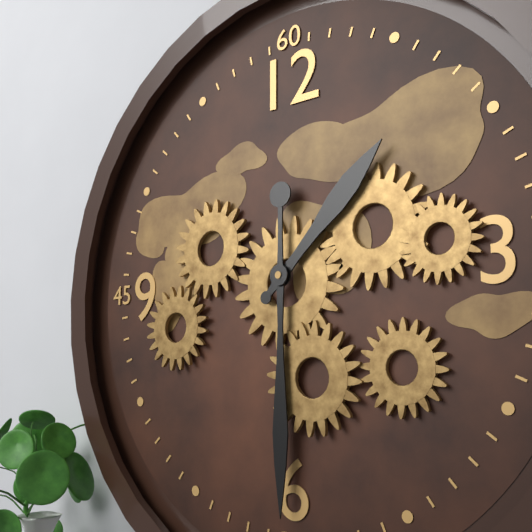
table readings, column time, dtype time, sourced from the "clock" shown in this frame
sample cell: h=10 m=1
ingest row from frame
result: h=1 m=30
